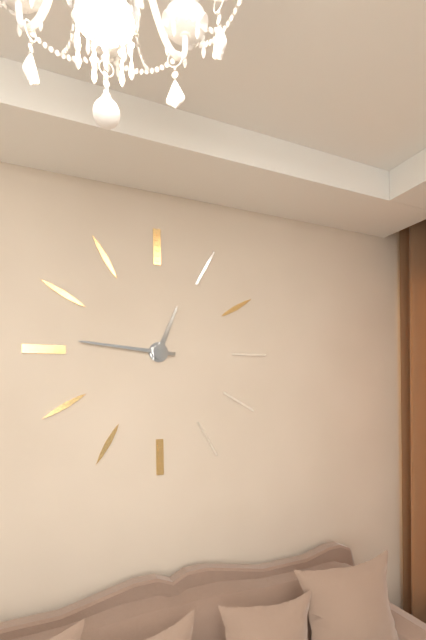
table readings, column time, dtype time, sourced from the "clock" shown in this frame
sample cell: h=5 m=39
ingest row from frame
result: h=12 m=46
